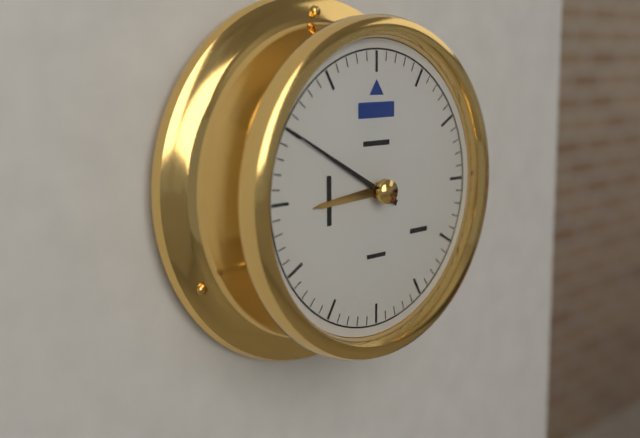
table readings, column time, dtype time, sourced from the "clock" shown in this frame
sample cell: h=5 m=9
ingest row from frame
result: h=8 m=50
